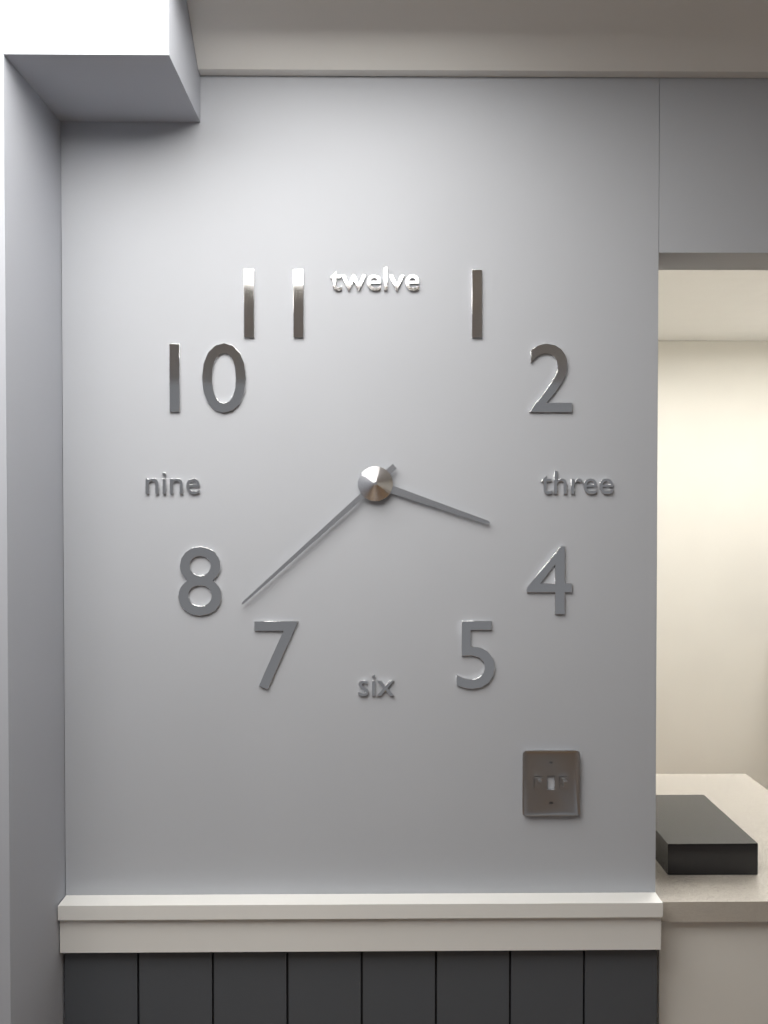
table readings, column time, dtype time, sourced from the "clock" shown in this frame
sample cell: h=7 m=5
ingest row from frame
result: h=3 m=38
